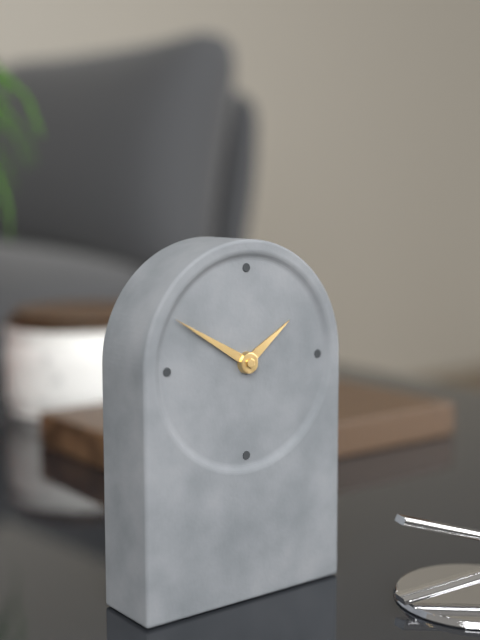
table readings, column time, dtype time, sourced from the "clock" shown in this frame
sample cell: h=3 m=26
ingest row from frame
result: h=1 m=50
